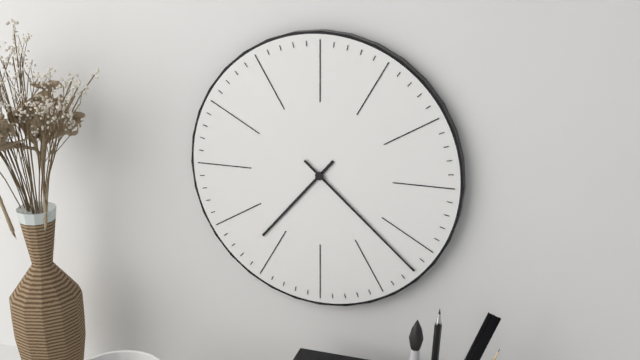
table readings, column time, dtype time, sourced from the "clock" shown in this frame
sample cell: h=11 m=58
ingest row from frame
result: h=7 m=22
